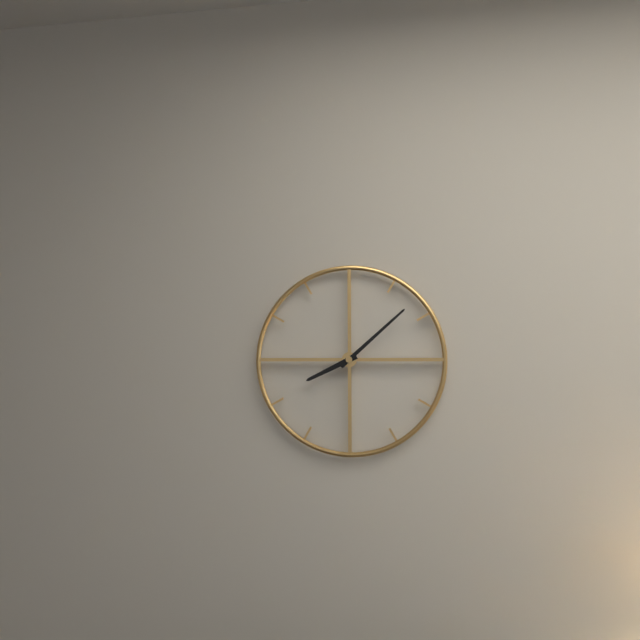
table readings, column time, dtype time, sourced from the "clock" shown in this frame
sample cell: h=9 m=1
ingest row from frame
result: h=8 m=8
